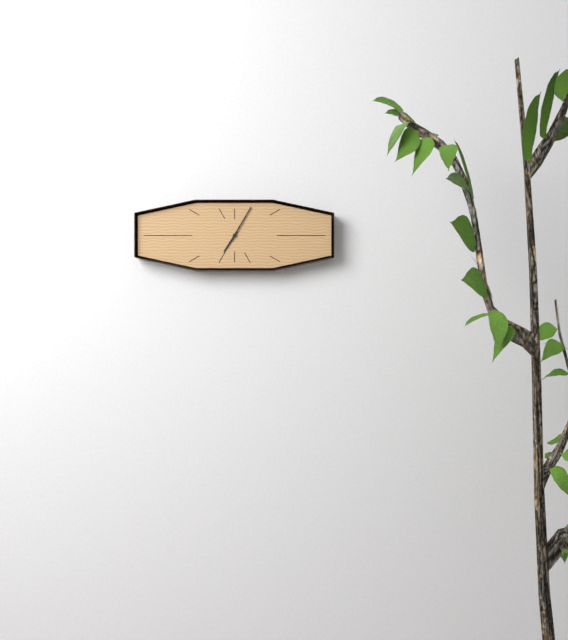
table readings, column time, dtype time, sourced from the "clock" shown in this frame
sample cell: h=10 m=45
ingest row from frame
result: h=7 m=5
